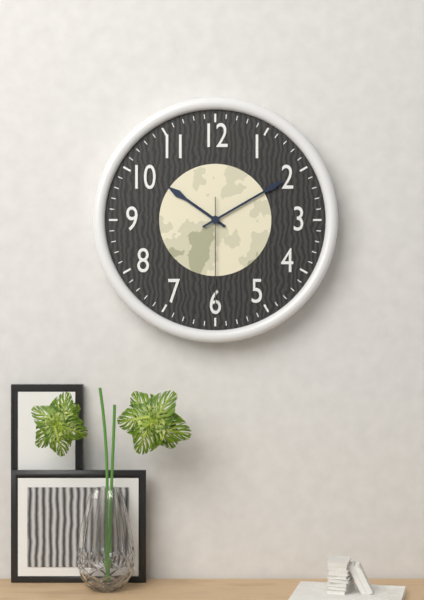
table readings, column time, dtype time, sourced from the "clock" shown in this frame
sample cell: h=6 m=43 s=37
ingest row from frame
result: h=10 m=10 s=30
